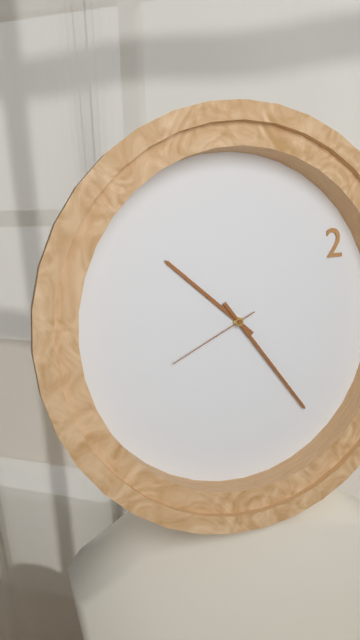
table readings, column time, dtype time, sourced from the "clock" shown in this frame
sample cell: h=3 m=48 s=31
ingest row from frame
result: h=10 m=24 s=41
